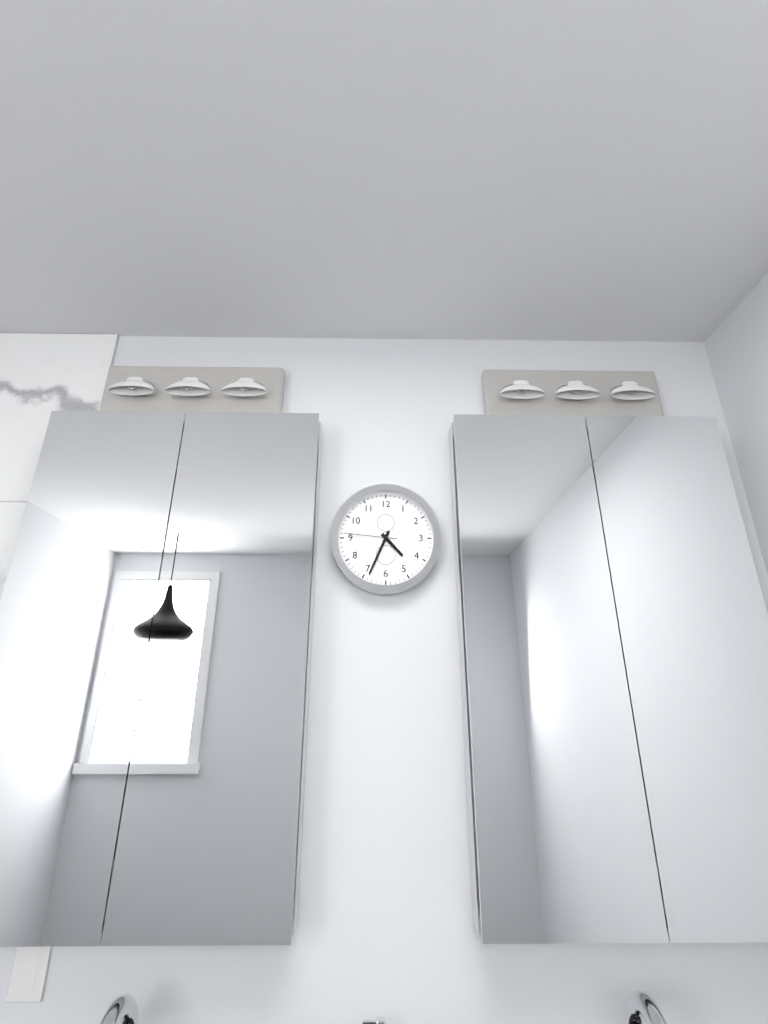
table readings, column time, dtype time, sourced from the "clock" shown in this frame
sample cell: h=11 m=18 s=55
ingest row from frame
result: h=4 m=34 s=46
